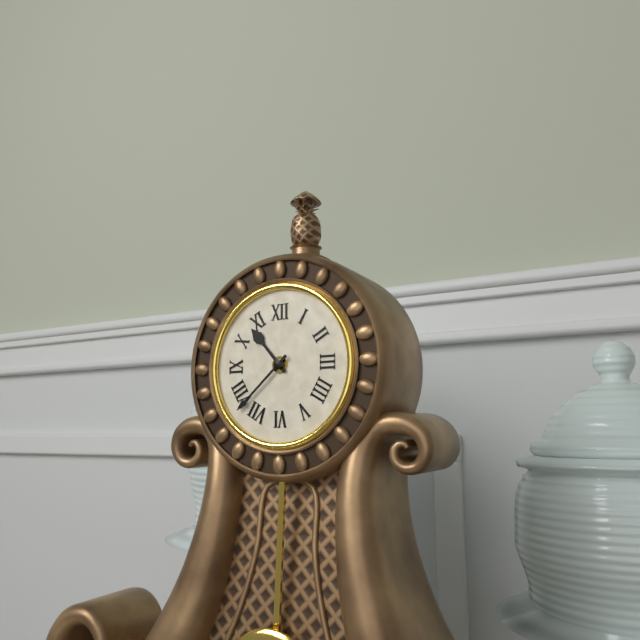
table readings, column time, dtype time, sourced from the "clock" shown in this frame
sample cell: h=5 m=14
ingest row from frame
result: h=10 m=38
